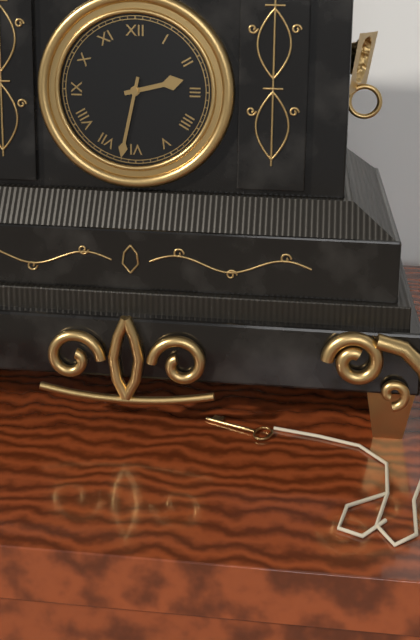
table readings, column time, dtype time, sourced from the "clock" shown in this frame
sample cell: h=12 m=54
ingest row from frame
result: h=2 m=32
